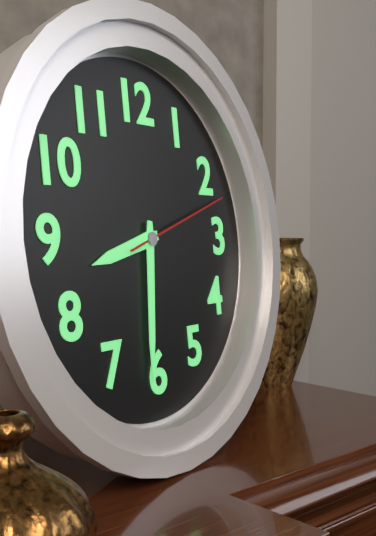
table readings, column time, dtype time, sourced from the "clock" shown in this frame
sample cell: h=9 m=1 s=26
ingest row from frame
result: h=8 m=31 s=12
